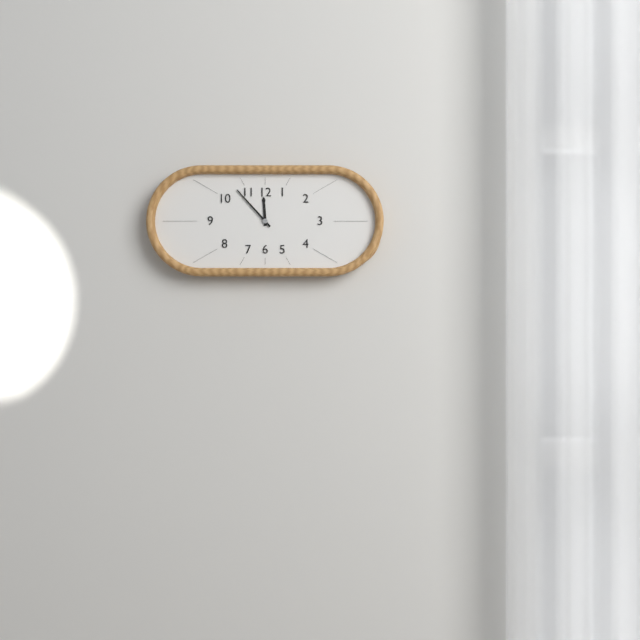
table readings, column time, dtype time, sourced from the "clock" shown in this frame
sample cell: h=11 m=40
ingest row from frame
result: h=11 m=53
